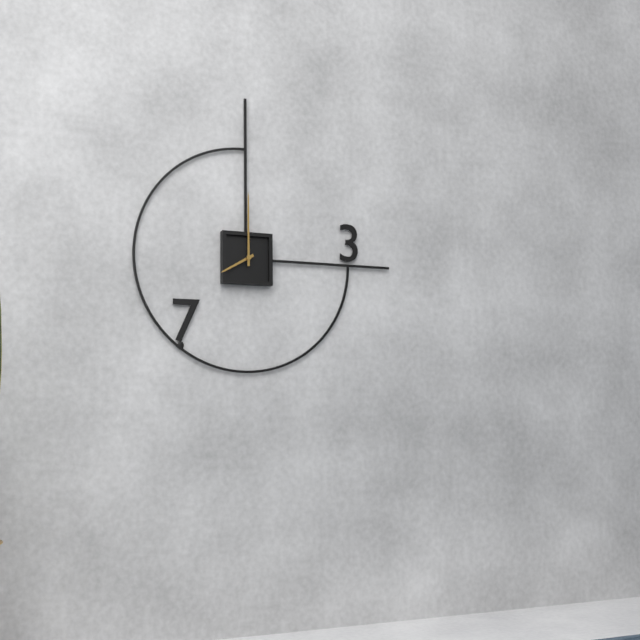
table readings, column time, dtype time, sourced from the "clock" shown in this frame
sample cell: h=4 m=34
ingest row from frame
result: h=8 m=0
